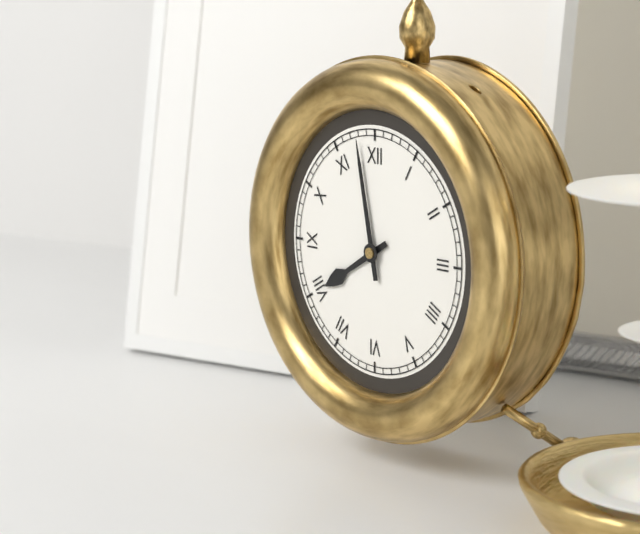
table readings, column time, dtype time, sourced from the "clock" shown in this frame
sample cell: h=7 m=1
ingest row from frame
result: h=7 m=58
